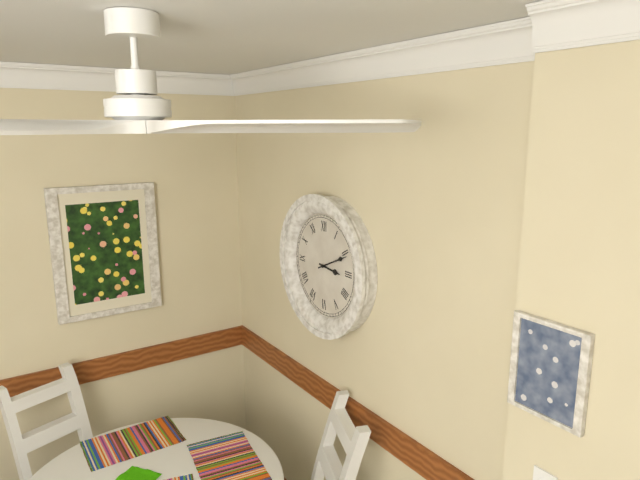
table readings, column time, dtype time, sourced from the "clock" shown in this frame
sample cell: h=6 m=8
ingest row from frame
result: h=3 m=11
